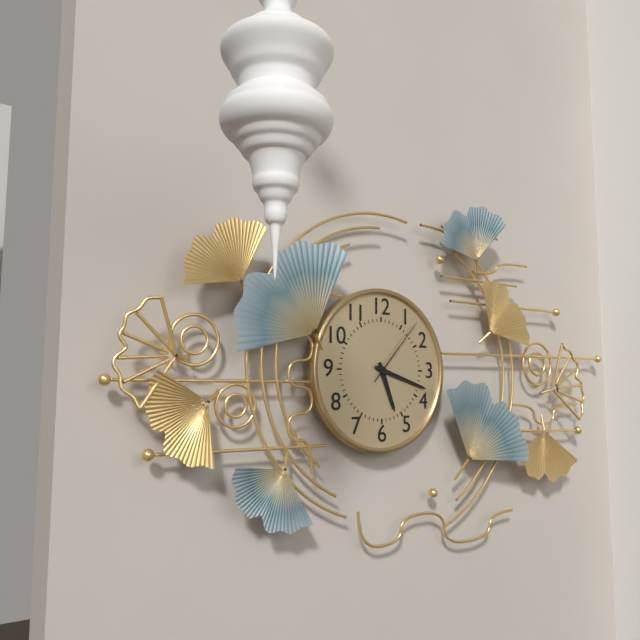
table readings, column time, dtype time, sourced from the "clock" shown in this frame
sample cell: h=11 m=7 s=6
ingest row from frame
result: h=5 m=18 s=7
